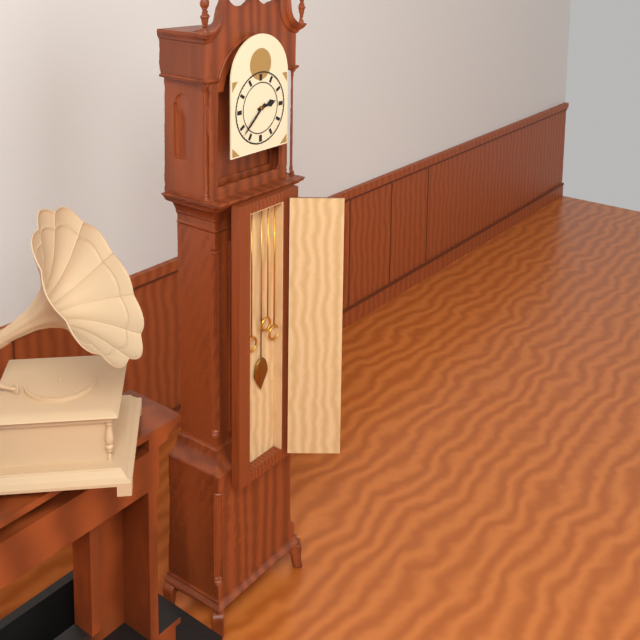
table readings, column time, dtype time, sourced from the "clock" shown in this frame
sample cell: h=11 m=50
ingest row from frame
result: h=2 m=38
